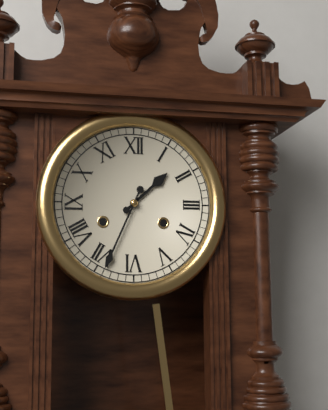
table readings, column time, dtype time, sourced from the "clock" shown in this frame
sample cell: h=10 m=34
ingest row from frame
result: h=1 m=34
